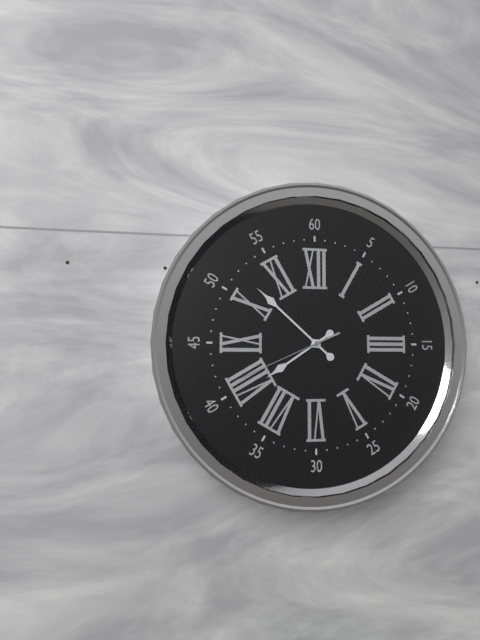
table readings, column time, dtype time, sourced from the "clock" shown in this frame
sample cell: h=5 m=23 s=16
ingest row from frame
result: h=7 m=52 s=41
